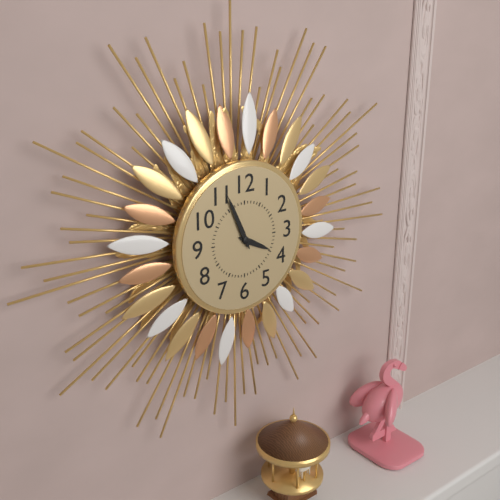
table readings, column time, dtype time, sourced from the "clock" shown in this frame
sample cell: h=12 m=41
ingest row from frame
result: h=3 m=56
